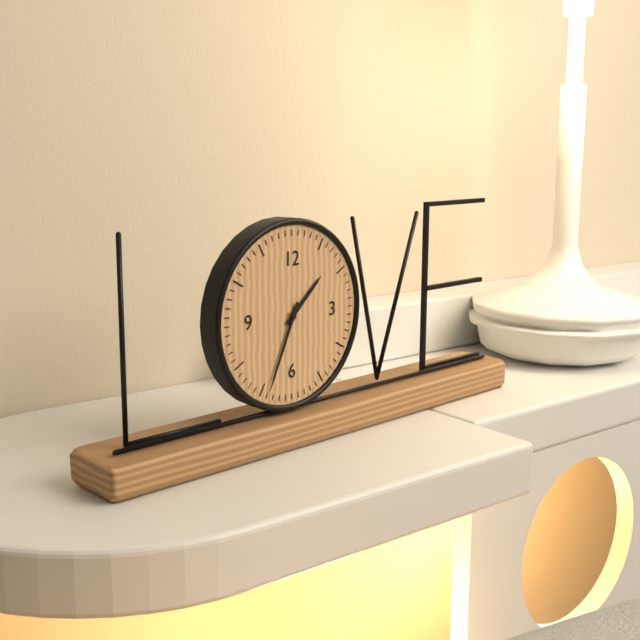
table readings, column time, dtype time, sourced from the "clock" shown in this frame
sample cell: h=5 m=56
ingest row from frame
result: h=1 m=34
